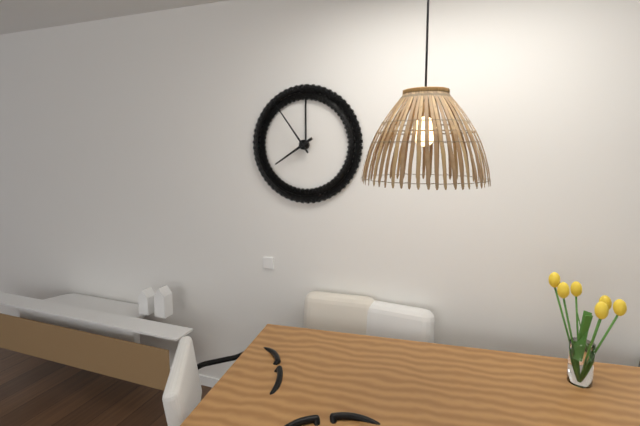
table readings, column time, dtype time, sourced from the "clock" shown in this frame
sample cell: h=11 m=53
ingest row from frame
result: h=7 m=54
